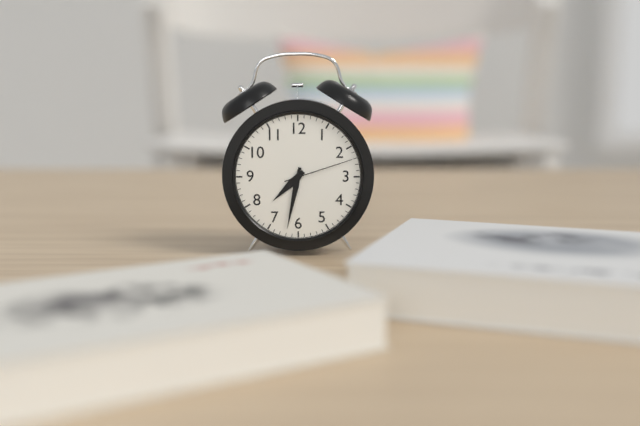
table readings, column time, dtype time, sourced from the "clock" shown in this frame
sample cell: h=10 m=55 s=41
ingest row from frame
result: h=7 m=32 s=12
